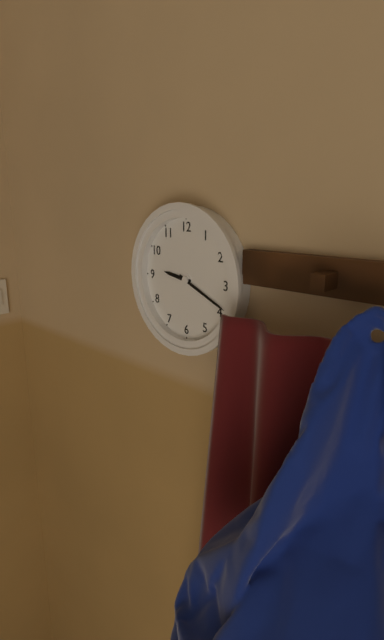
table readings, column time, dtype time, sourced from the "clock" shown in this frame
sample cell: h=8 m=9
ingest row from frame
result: h=9 m=19
